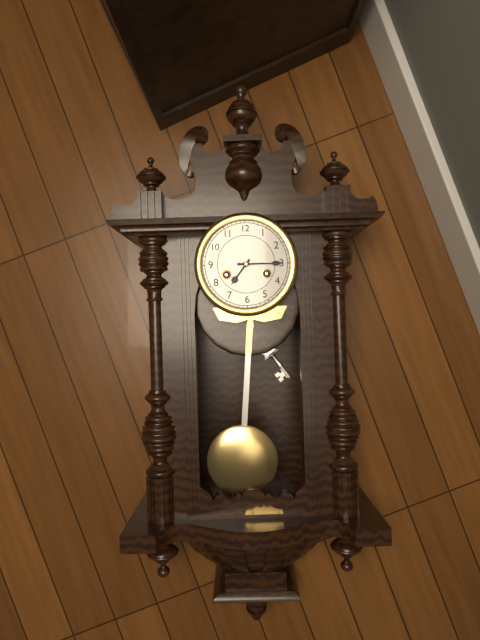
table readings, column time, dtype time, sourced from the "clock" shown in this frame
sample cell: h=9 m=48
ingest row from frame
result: h=7 m=15
